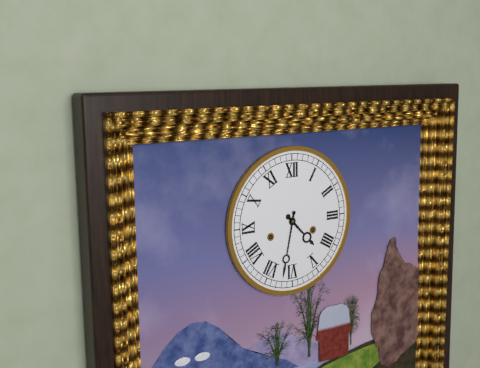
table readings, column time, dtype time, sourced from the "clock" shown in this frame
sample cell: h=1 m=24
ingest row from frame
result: h=4 m=32
